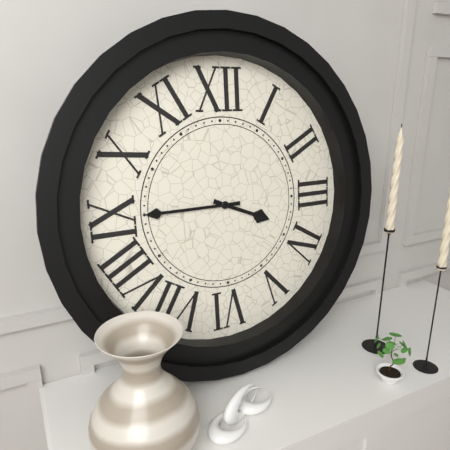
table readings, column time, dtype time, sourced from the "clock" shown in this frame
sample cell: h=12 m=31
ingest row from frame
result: h=3 m=45
